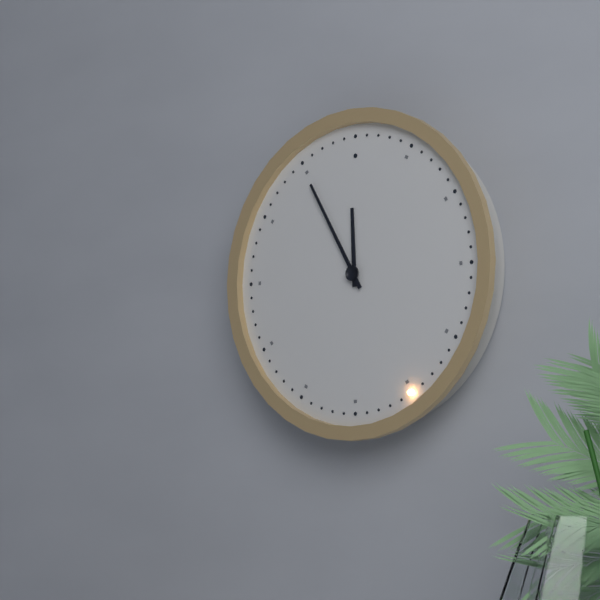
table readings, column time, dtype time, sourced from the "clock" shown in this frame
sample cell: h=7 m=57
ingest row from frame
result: h=11 m=55
